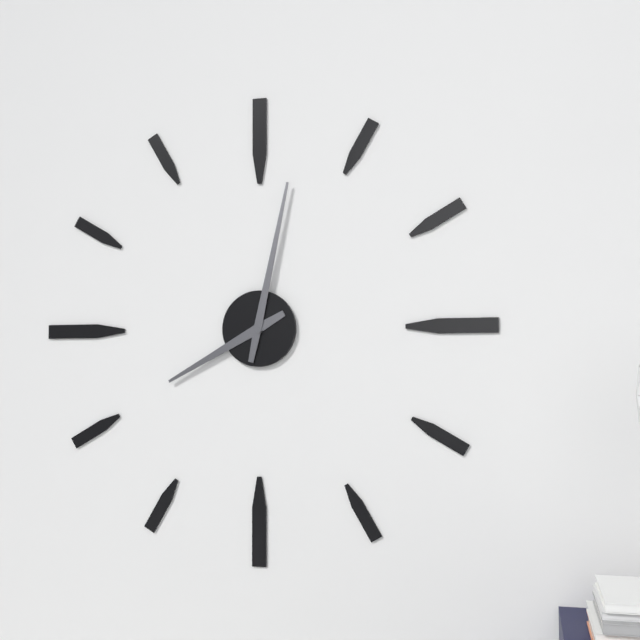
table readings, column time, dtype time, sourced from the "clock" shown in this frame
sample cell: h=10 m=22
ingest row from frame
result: h=8 m=2
